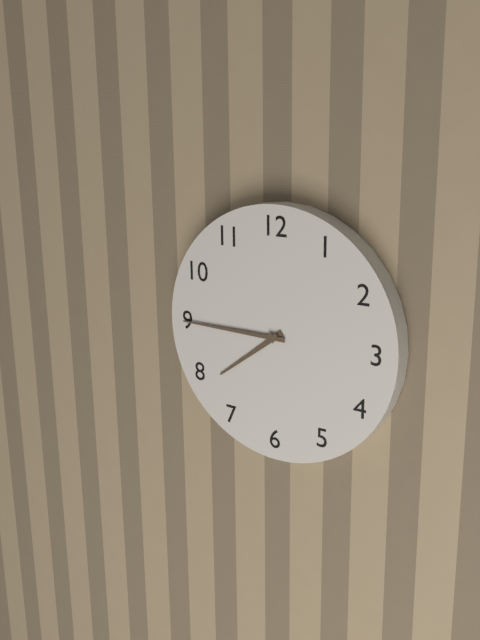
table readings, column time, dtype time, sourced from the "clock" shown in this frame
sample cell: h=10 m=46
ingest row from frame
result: h=7 m=45
